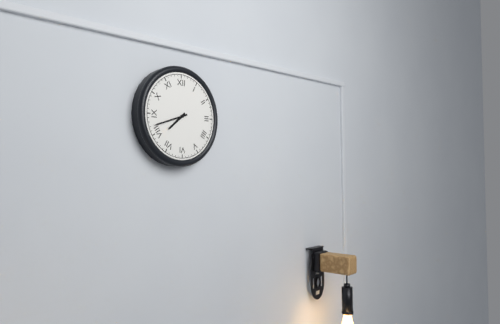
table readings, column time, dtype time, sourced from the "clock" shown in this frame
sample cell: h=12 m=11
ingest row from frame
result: h=7 m=42
